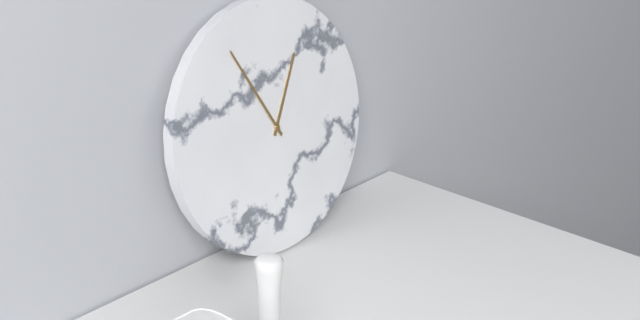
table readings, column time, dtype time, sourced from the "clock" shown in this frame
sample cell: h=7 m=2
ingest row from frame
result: h=12 m=55
